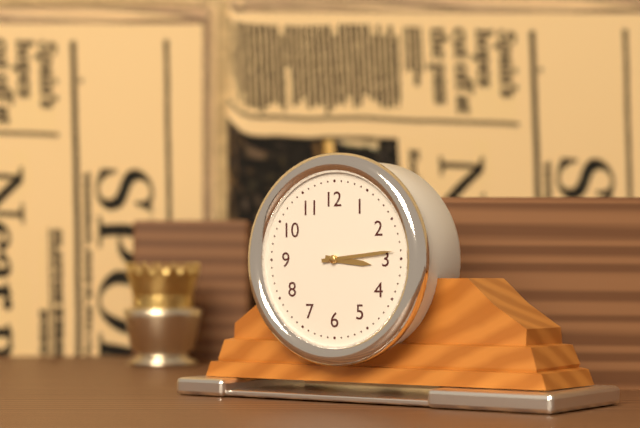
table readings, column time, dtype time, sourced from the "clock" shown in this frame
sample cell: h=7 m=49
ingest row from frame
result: h=3 m=14
